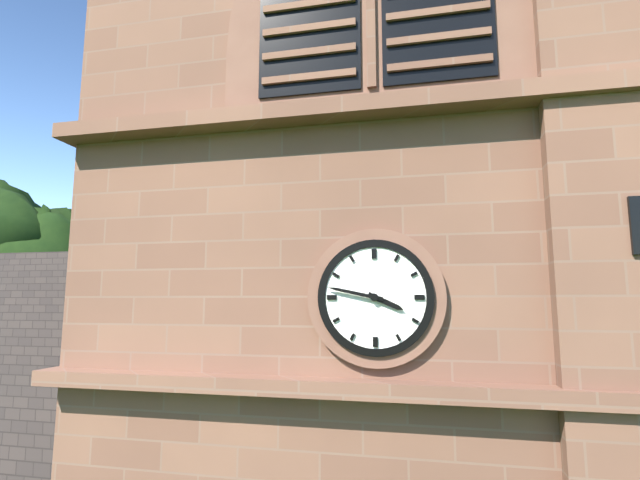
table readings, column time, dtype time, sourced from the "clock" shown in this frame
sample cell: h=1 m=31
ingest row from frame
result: h=3 m=47
